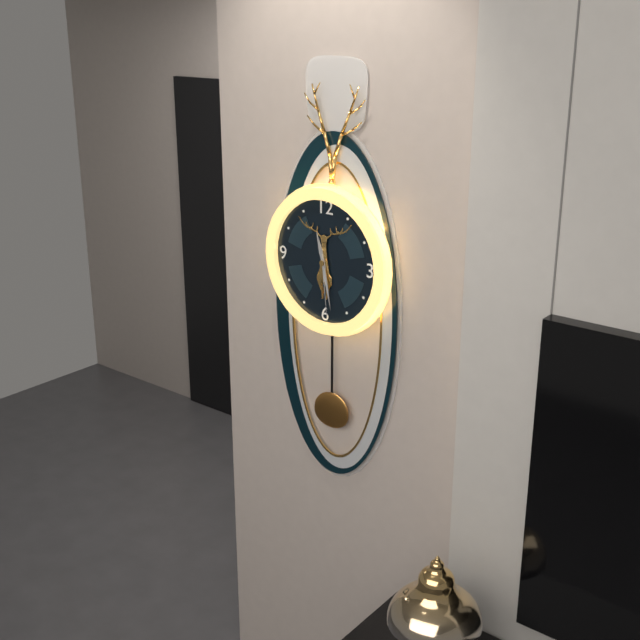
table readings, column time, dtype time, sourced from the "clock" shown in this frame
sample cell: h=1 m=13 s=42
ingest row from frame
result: h=11 m=28 s=29
